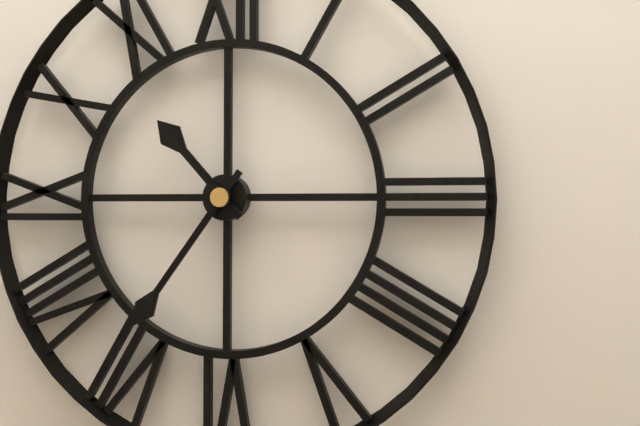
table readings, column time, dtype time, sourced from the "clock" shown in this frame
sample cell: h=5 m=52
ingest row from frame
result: h=10 m=36
